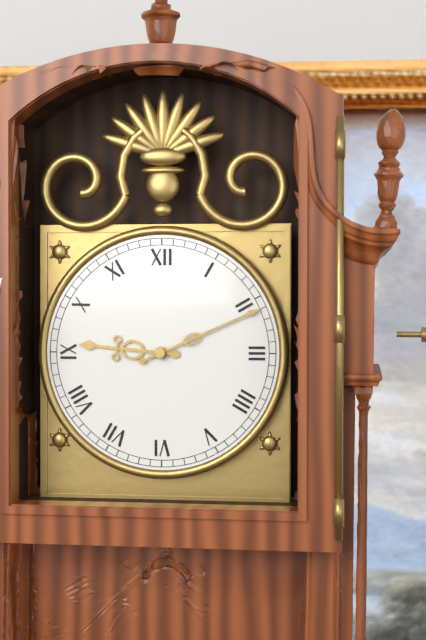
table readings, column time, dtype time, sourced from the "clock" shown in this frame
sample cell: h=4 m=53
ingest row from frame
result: h=9 m=11
